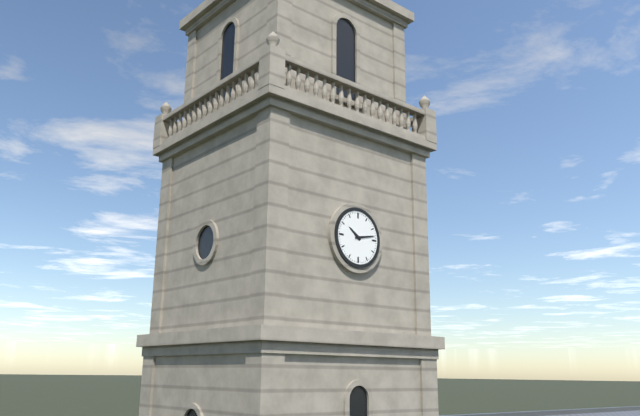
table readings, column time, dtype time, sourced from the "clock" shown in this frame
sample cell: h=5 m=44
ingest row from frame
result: h=10 m=13
